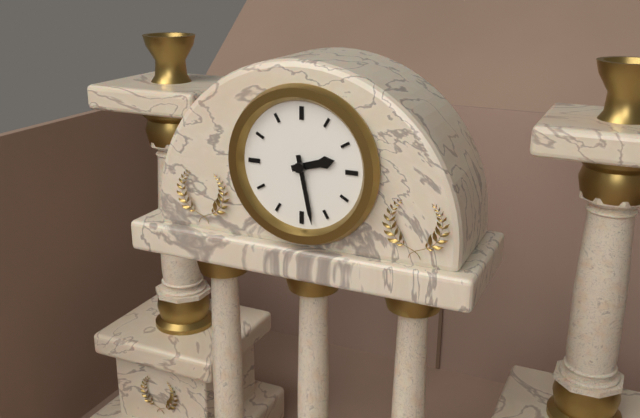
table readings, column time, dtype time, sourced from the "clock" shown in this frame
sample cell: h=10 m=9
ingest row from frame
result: h=2 m=28
